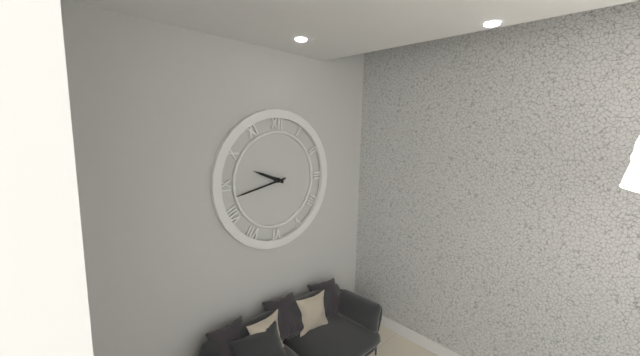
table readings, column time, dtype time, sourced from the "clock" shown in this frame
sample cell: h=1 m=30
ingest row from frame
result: h=9 m=43
